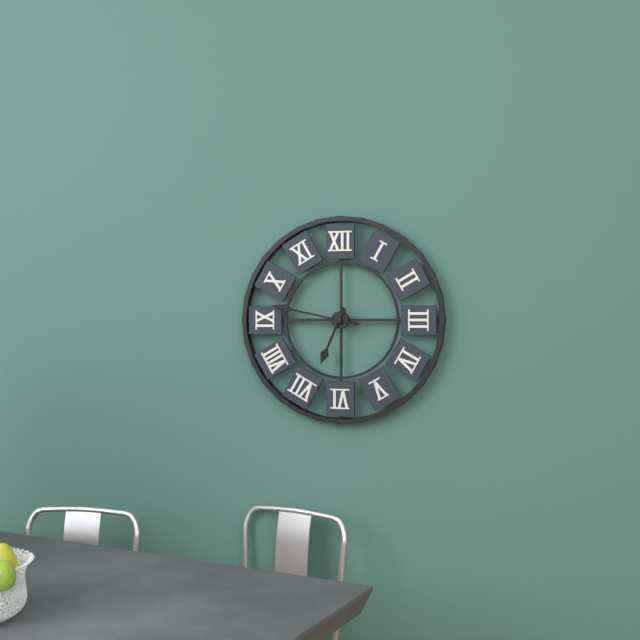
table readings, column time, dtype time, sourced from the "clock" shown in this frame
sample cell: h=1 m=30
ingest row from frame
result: h=6 m=47
